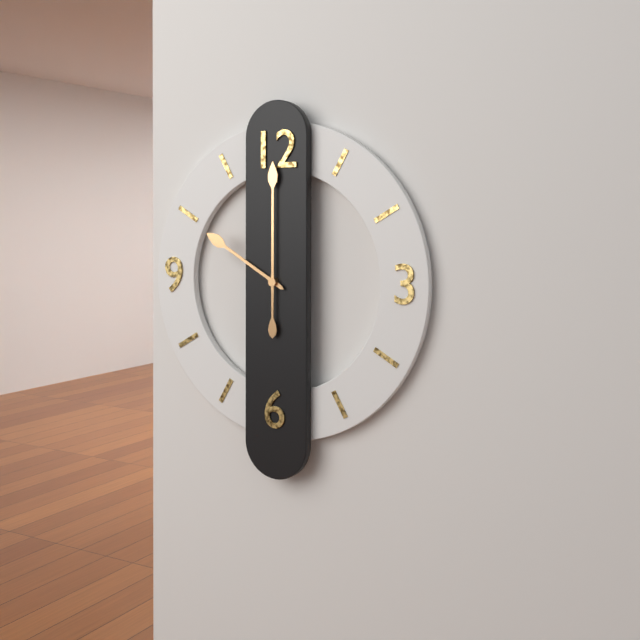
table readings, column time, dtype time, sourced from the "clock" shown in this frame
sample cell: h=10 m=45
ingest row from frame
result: h=10 m=0
